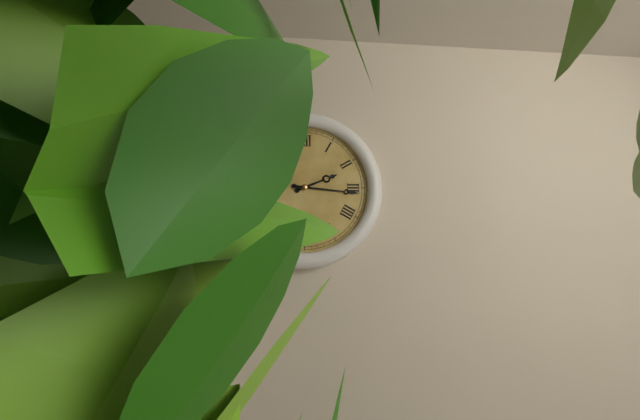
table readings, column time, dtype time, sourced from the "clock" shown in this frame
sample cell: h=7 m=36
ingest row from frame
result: h=2 m=16
